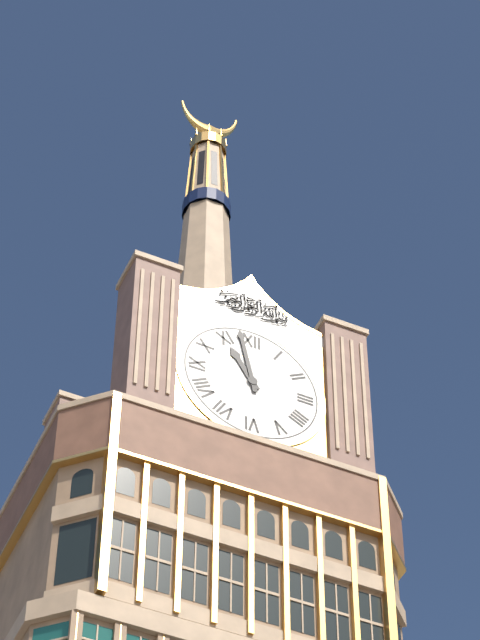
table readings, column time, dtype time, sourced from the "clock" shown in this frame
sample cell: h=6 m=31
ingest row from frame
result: h=10 m=58
